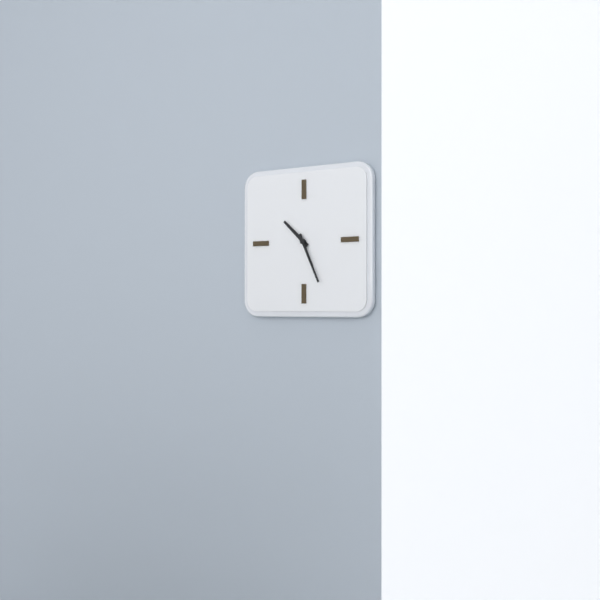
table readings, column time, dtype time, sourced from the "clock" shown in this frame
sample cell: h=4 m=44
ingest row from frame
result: h=10 m=26
